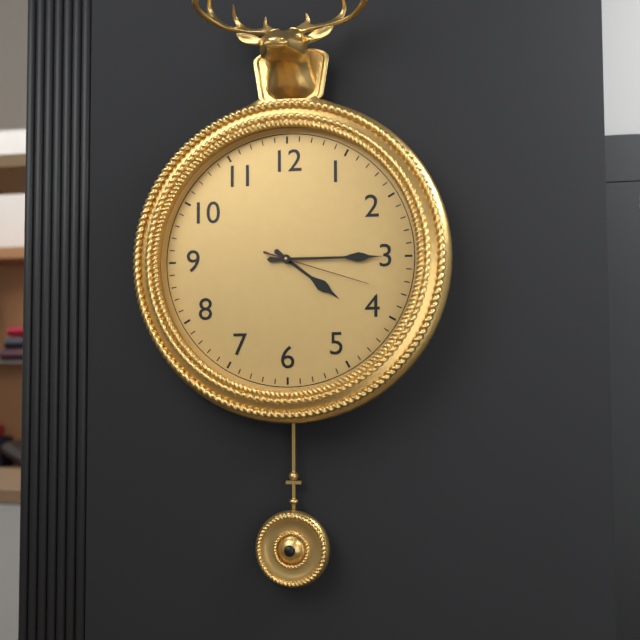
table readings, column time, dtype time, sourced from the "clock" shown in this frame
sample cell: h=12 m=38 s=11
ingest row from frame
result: h=4 m=15 s=18
